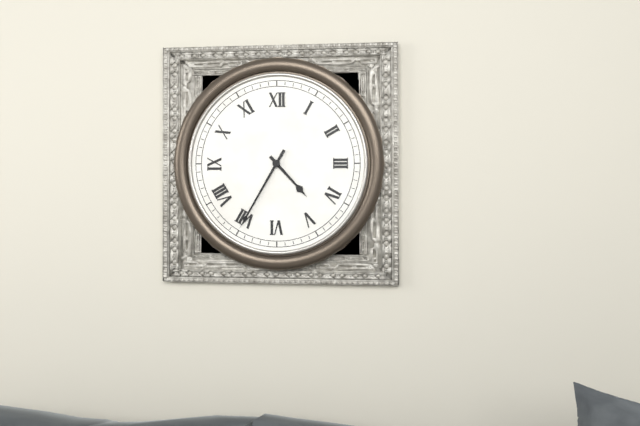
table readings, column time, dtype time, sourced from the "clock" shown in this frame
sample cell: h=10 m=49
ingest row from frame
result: h=4 m=35
